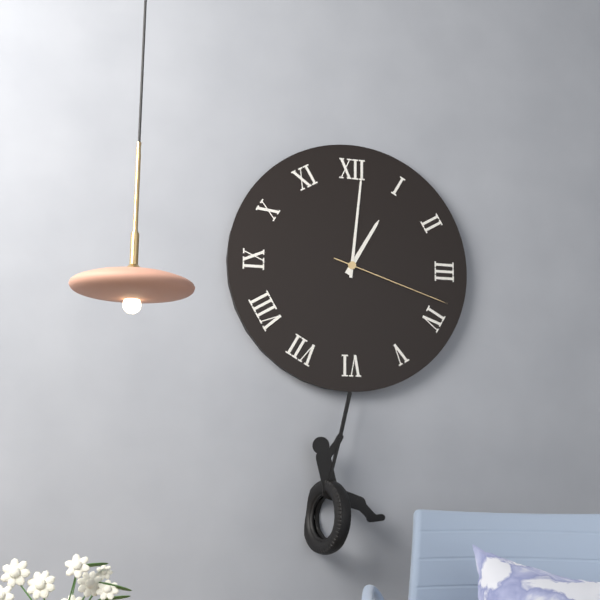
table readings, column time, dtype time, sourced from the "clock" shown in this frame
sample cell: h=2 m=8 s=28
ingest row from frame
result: h=1 m=1 s=18
